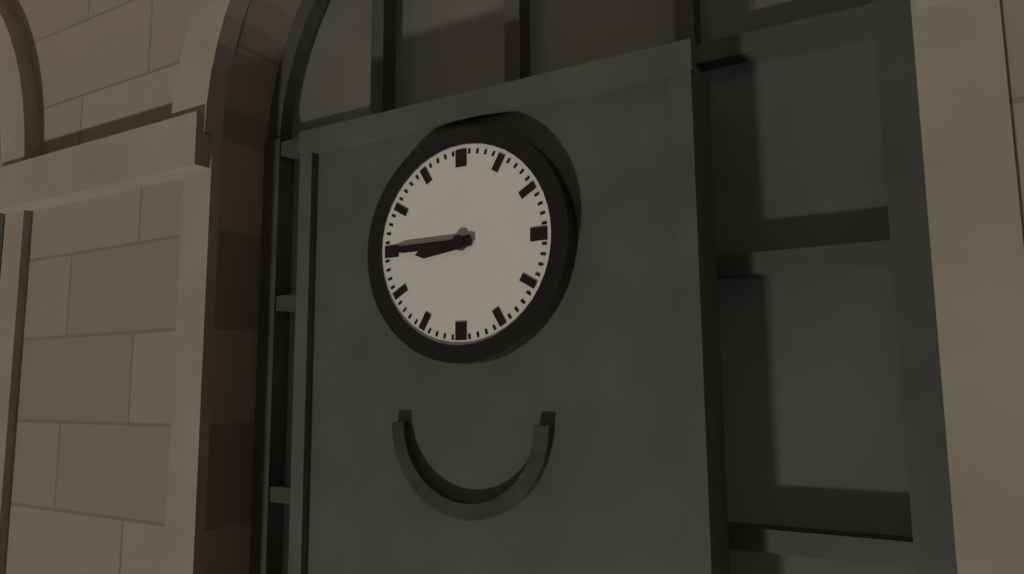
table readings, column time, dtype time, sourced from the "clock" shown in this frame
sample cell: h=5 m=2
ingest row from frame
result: h=8 m=45
